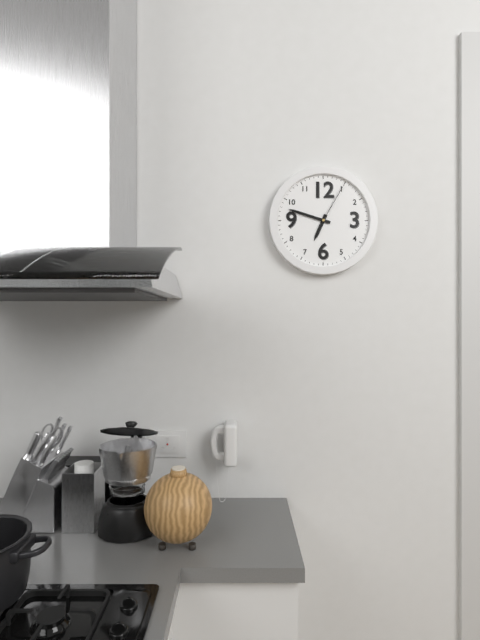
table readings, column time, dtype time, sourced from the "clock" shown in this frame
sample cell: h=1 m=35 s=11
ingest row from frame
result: h=6 m=48 s=5
